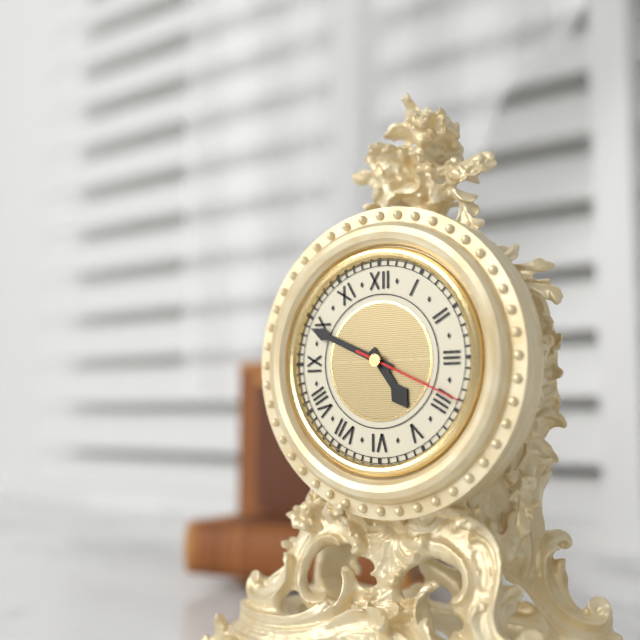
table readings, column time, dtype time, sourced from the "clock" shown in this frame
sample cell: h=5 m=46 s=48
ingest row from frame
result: h=4 m=49 s=19
